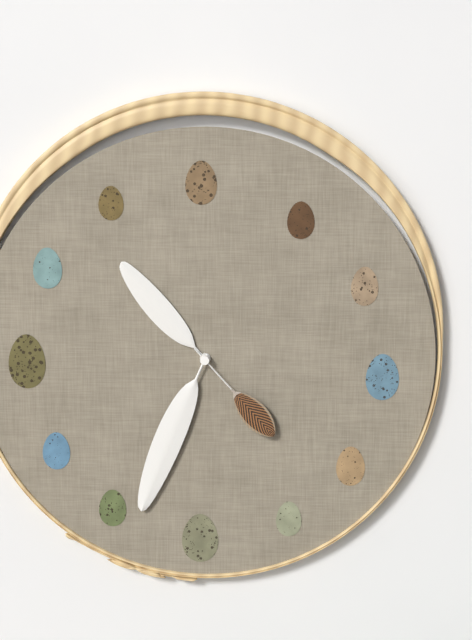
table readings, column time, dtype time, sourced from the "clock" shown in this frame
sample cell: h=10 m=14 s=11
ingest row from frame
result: h=10 m=34 s=23
